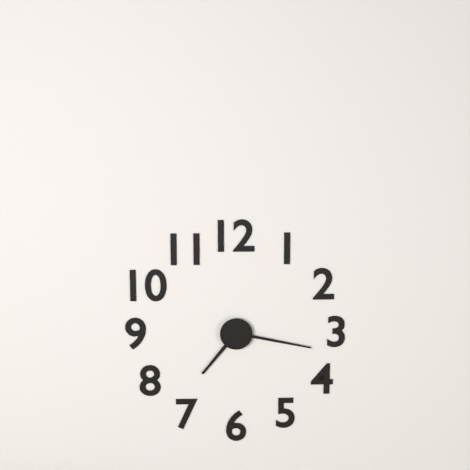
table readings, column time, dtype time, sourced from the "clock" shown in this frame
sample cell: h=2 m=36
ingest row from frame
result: h=7 m=17
